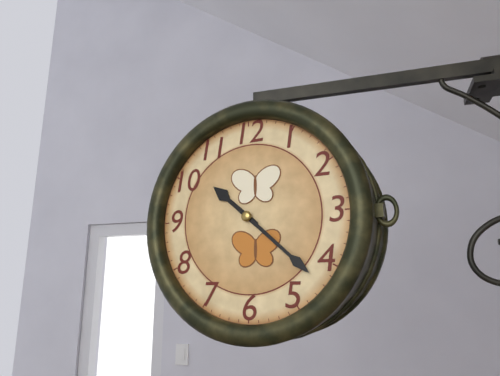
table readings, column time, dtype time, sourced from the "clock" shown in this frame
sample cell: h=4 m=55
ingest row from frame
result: h=10 m=22
